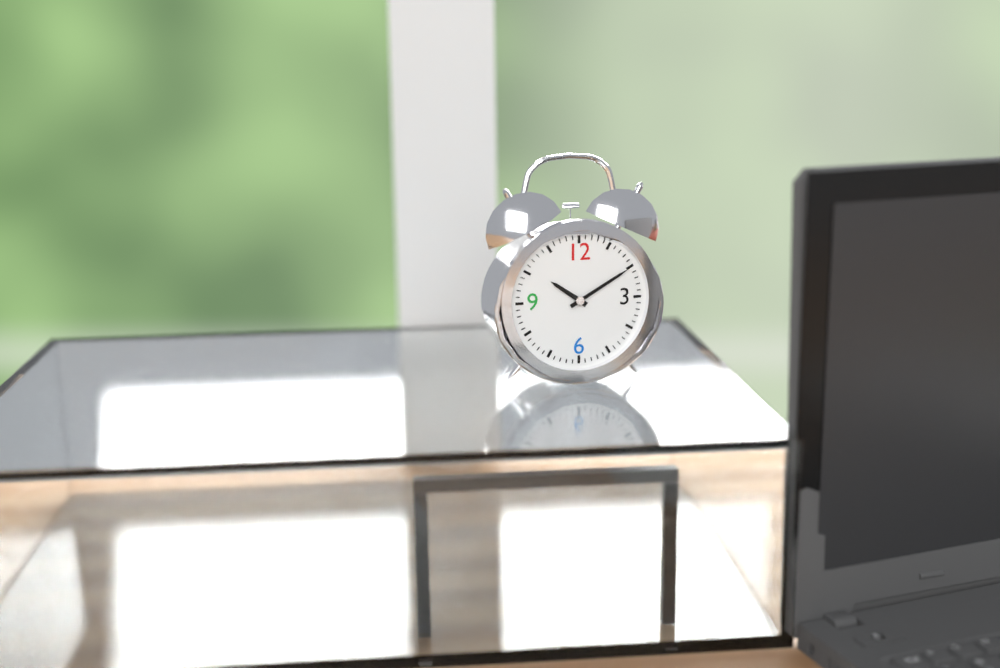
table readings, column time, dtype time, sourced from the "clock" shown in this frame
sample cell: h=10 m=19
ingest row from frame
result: h=10 m=10
